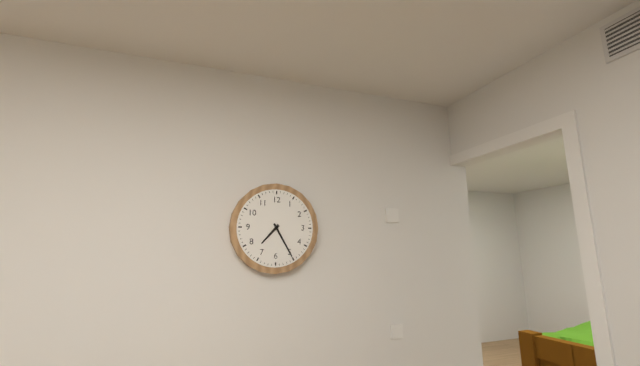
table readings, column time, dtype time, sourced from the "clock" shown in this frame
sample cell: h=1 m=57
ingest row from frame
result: h=7 m=25
